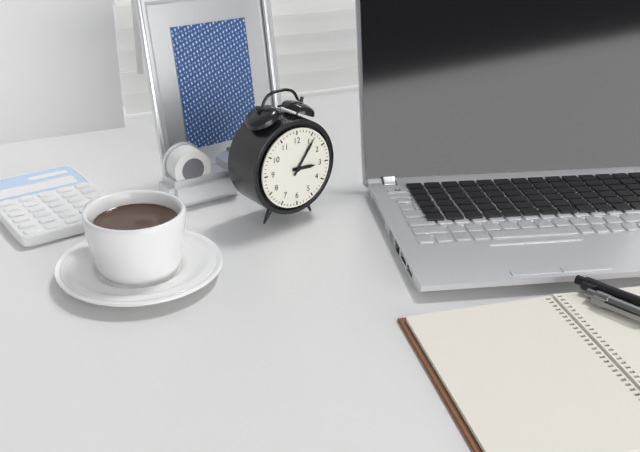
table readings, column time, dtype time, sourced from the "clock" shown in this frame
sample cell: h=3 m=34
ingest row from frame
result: h=3 m=6
